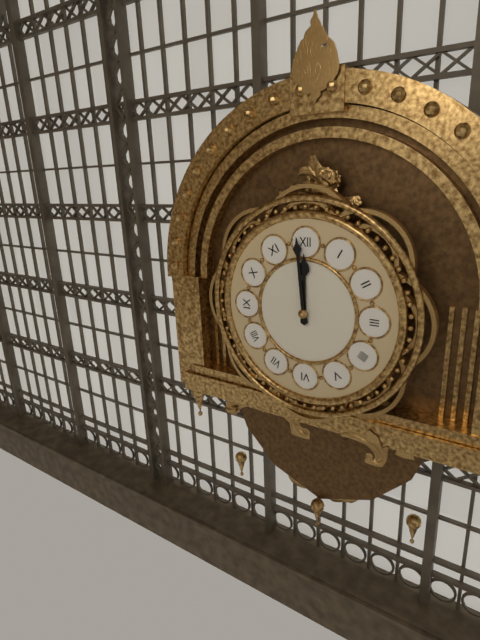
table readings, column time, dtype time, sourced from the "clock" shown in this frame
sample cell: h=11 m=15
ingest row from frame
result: h=11 m=59
